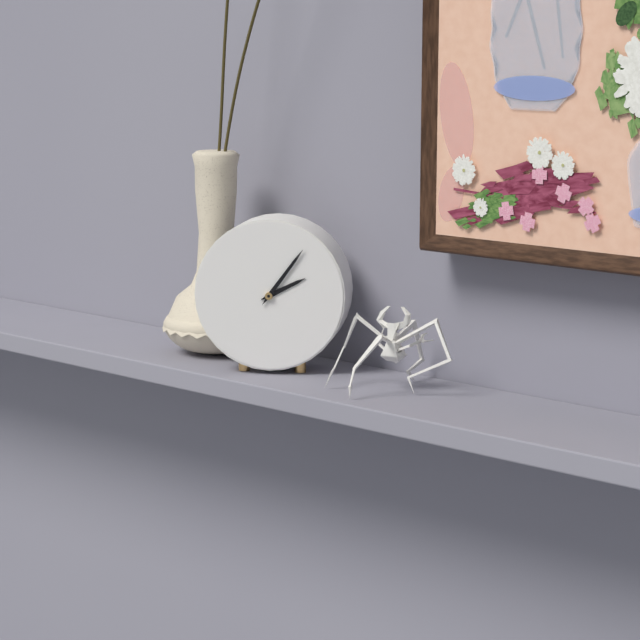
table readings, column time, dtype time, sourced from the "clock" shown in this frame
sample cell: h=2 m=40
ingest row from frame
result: h=2 m=6
